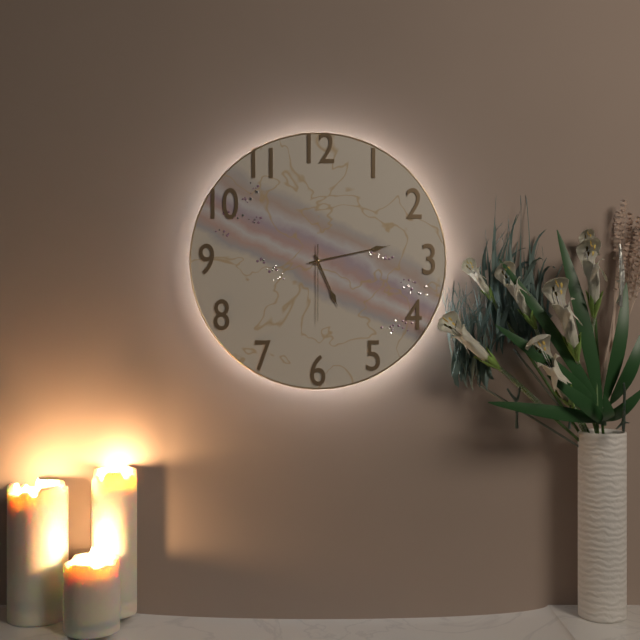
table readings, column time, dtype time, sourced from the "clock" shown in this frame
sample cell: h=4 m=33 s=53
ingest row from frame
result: h=5 m=13 s=30
